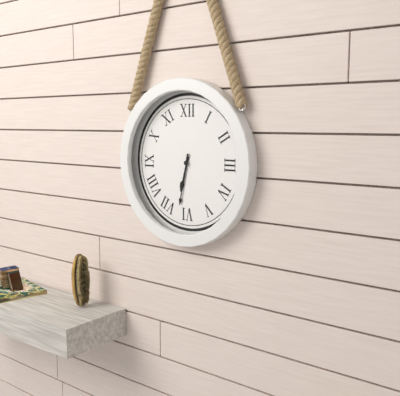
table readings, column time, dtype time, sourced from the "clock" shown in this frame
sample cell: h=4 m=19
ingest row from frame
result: h=6 m=32
